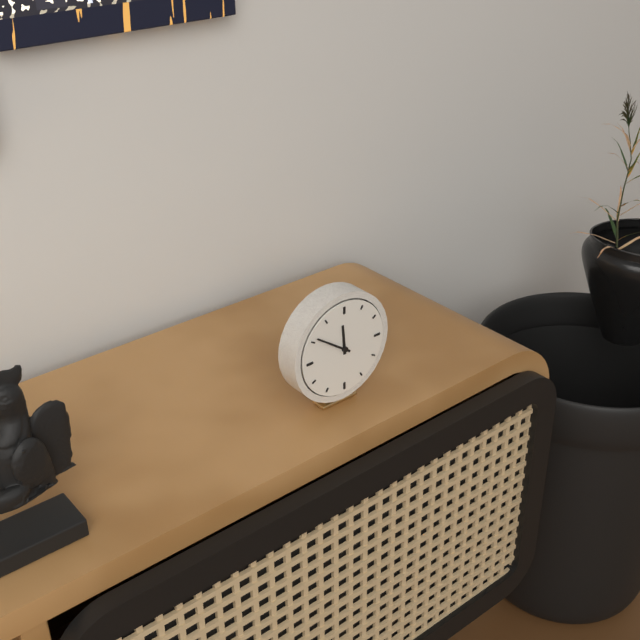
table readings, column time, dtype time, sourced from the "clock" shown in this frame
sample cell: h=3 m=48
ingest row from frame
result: h=11 m=51
